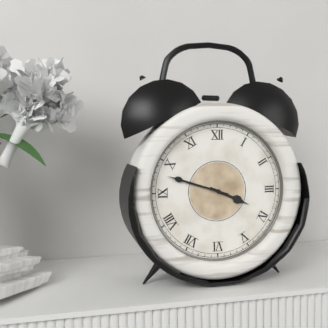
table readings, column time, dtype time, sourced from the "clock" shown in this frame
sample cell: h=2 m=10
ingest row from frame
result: h=3 m=48
